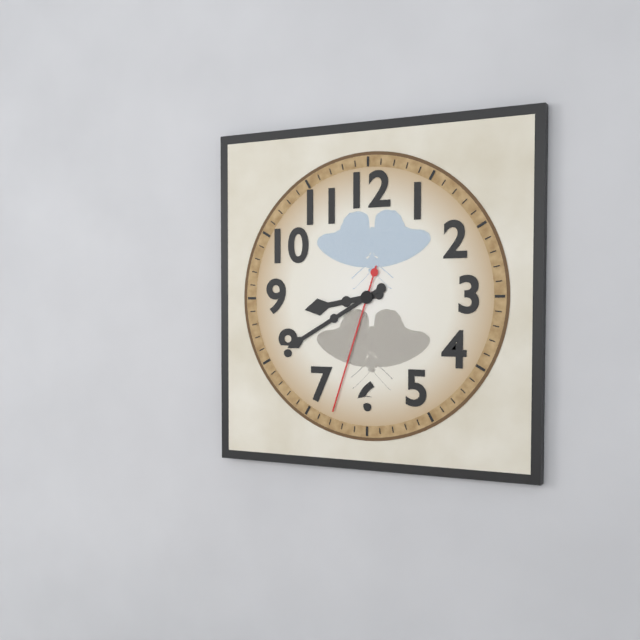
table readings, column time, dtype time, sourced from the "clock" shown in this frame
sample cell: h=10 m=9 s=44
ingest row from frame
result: h=8 m=40 s=33
